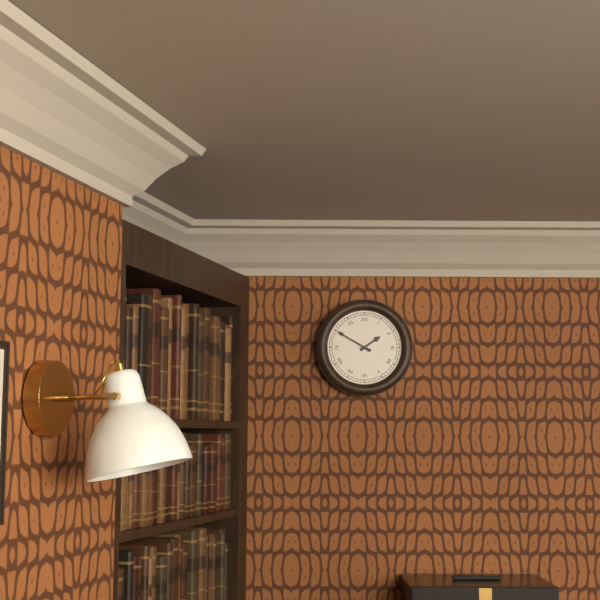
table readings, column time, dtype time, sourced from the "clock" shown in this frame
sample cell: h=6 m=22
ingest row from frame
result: h=1 m=50
